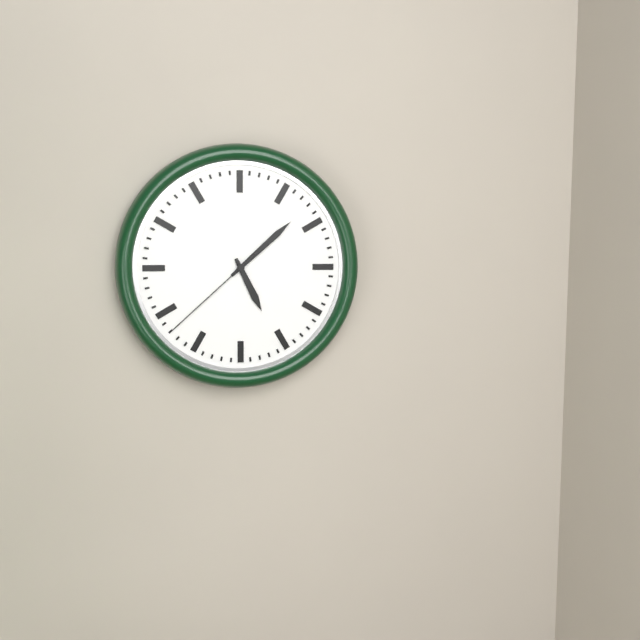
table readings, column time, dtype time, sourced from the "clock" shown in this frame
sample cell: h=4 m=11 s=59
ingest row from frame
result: h=5 m=8 s=38
